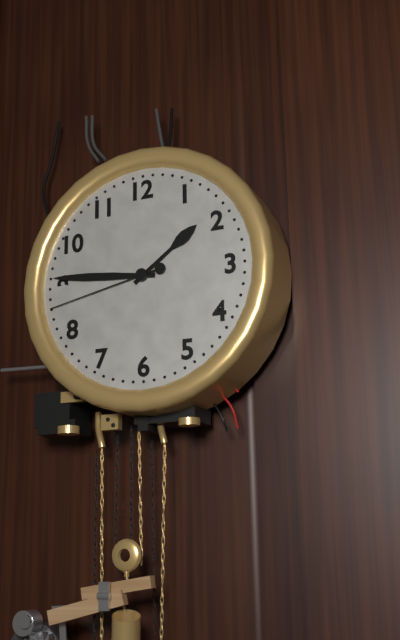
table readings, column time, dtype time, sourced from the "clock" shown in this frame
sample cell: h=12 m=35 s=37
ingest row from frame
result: h=1 m=46 s=43
